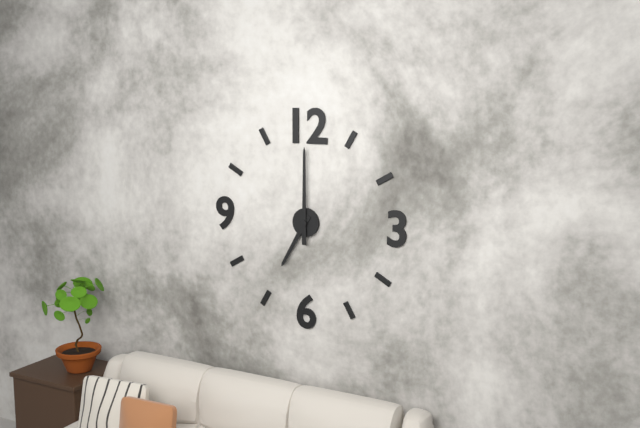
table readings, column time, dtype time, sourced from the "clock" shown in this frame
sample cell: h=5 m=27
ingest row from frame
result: h=7 m=0
